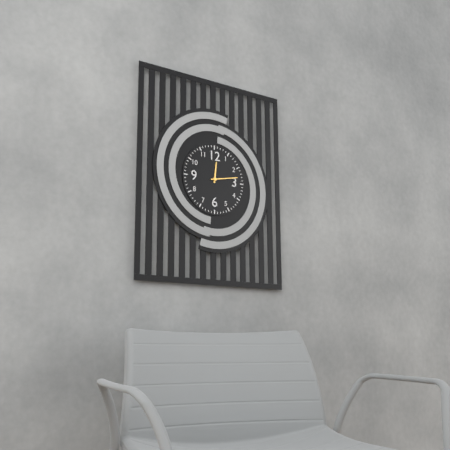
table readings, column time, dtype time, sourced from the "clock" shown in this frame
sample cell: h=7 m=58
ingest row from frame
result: h=12 m=13
